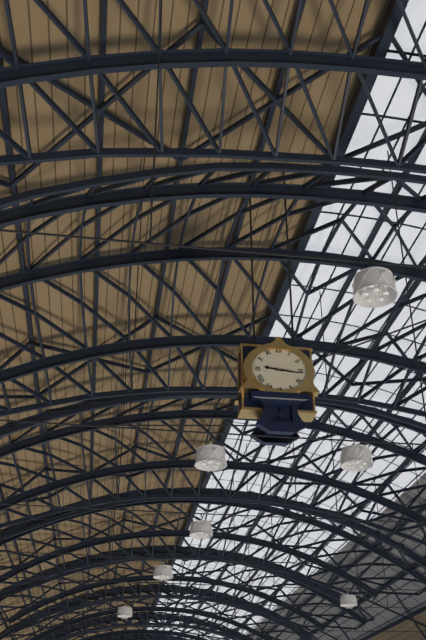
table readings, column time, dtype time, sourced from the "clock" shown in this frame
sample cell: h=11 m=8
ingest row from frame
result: h=9 m=16
